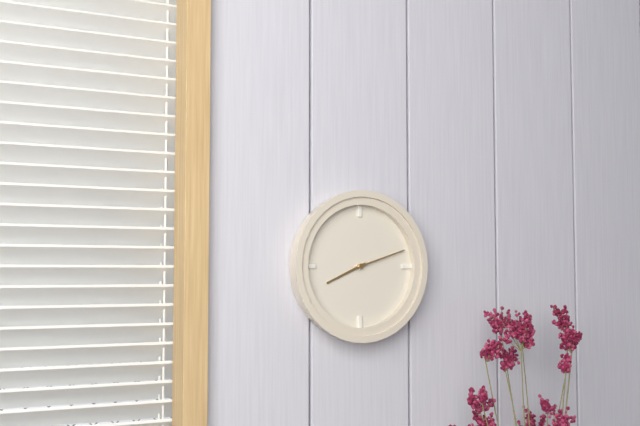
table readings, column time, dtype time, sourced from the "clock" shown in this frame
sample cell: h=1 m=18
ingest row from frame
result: h=8 m=12
